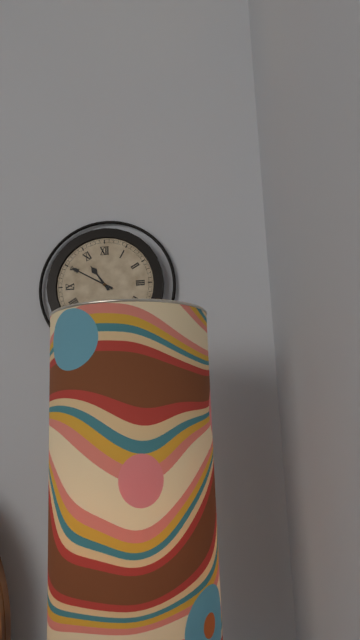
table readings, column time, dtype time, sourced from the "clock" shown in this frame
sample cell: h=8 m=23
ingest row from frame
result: h=10 m=50
